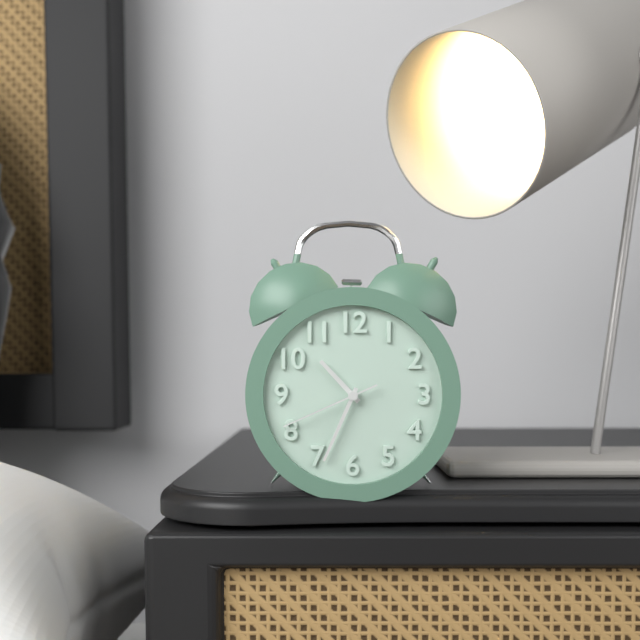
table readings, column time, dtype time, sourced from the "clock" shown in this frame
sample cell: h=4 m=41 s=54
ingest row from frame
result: h=10 m=34 s=41
